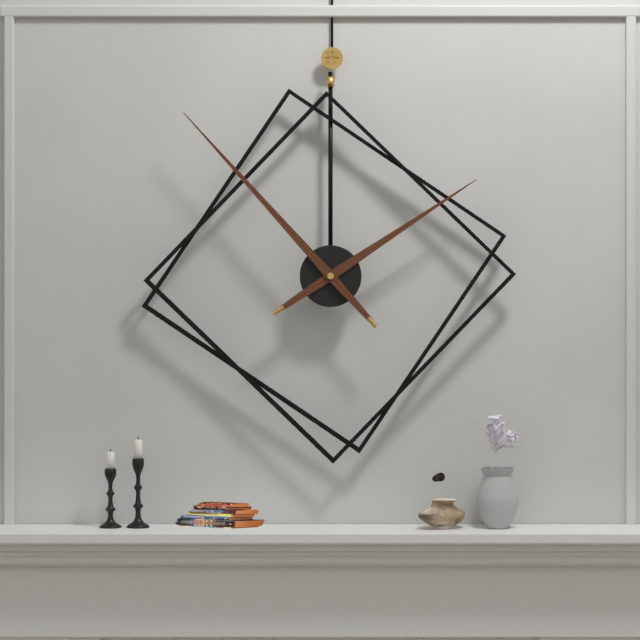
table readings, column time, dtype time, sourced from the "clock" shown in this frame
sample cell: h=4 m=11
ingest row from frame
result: h=1 m=53
